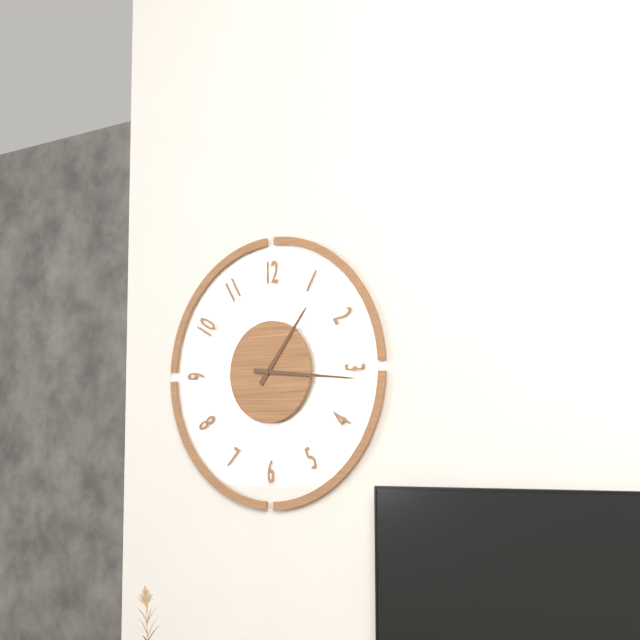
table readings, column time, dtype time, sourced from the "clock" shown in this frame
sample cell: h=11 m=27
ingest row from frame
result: h=1 m=16
